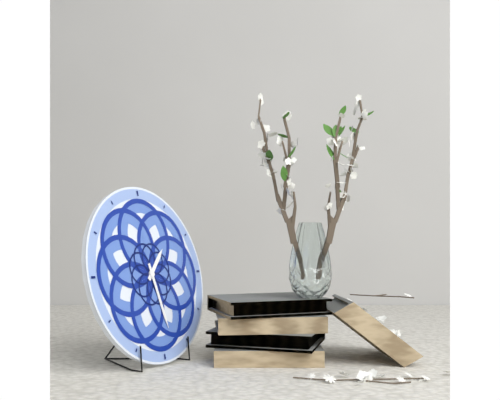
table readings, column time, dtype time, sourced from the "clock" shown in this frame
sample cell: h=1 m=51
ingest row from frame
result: h=1 m=28
